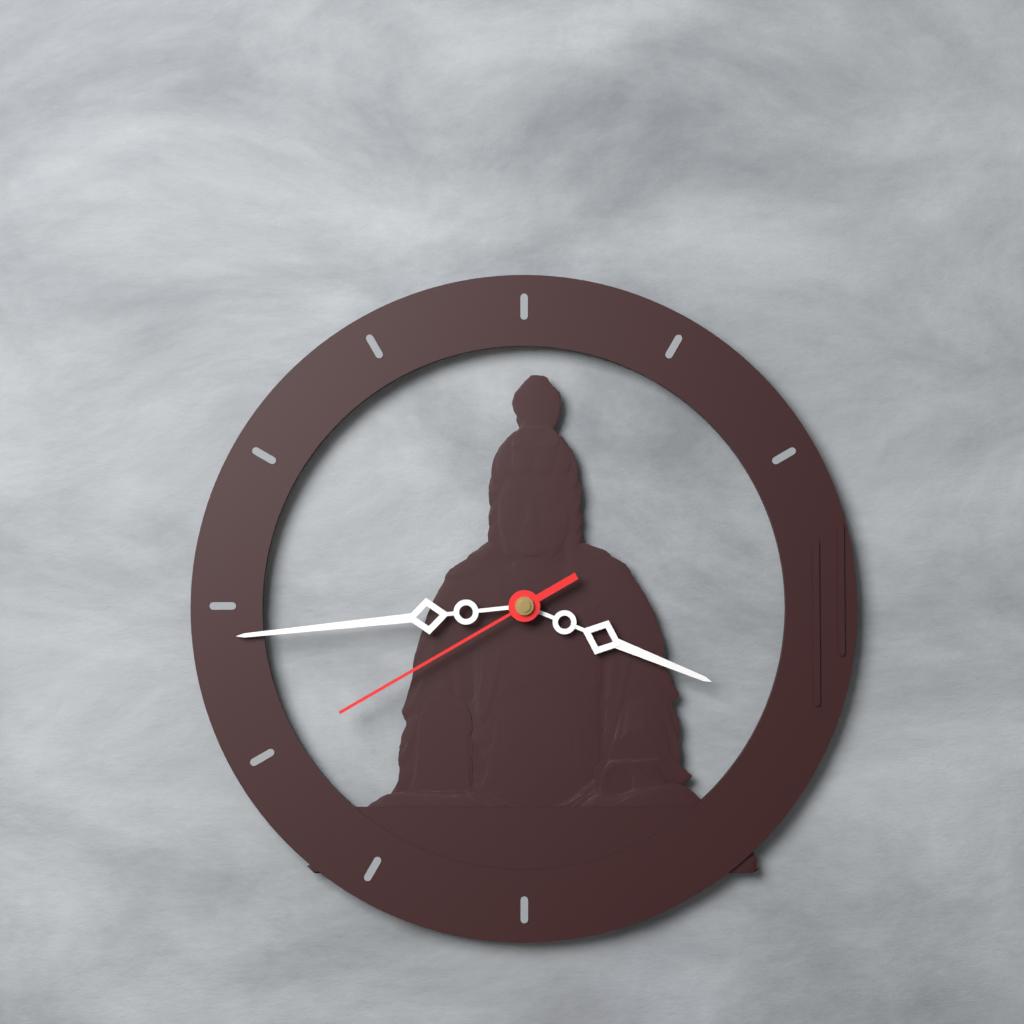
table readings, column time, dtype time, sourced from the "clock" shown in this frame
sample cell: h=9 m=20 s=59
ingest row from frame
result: h=3 m=44 s=40
